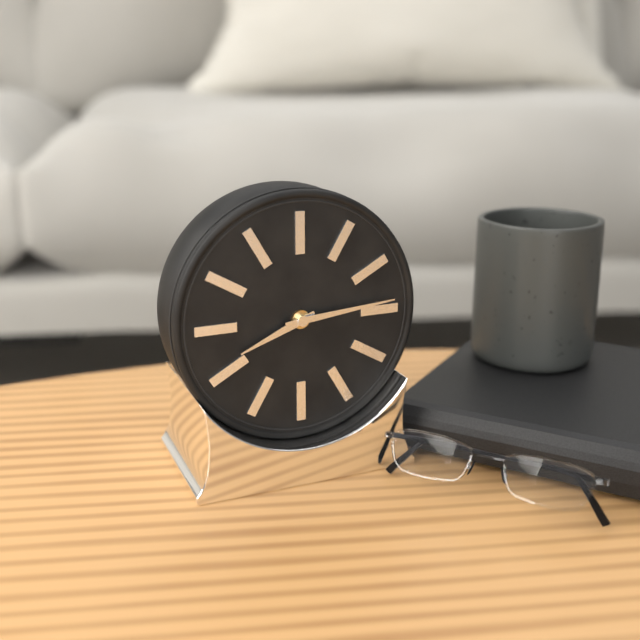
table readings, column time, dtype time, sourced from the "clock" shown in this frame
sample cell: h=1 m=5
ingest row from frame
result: h=8 m=14
